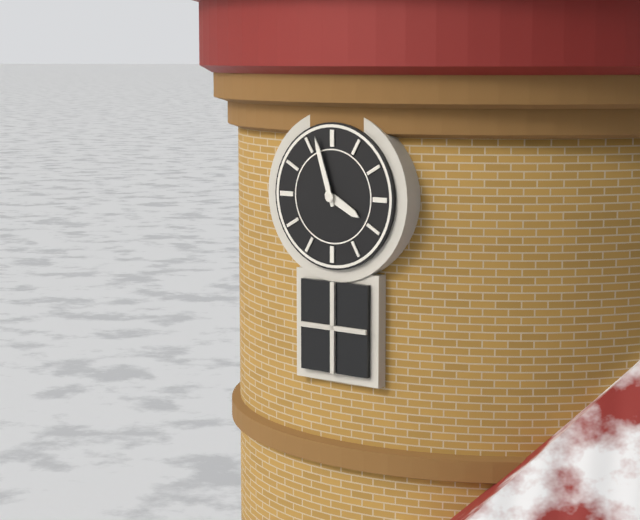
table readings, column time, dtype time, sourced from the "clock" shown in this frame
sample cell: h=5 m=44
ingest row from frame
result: h=3 m=57
